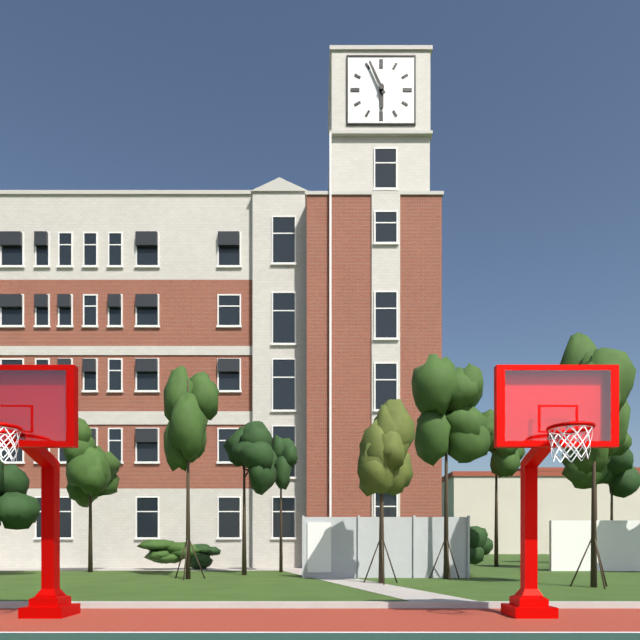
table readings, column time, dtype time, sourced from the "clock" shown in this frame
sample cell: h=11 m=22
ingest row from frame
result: h=5 m=56
